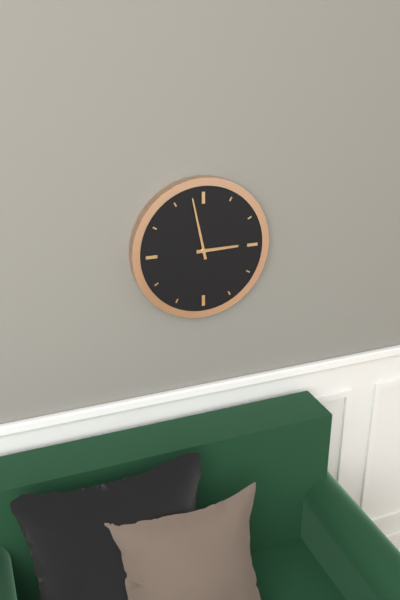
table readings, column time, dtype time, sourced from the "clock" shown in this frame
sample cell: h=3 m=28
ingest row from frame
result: h=2 m=58
